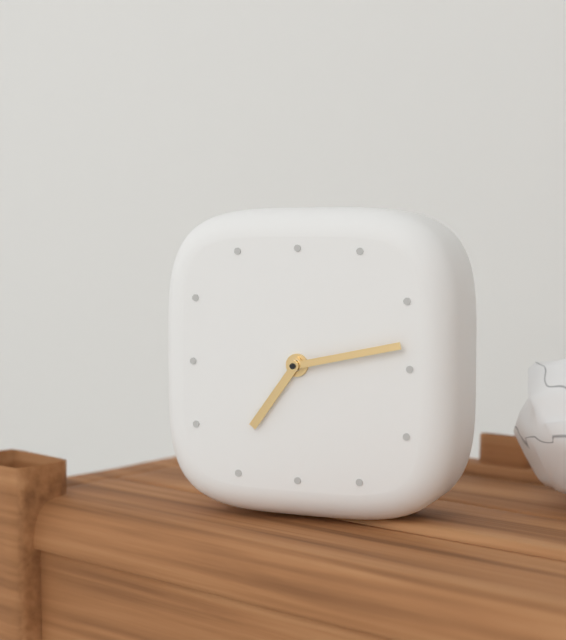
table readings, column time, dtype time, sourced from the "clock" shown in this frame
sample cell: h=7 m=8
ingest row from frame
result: h=7 m=13
